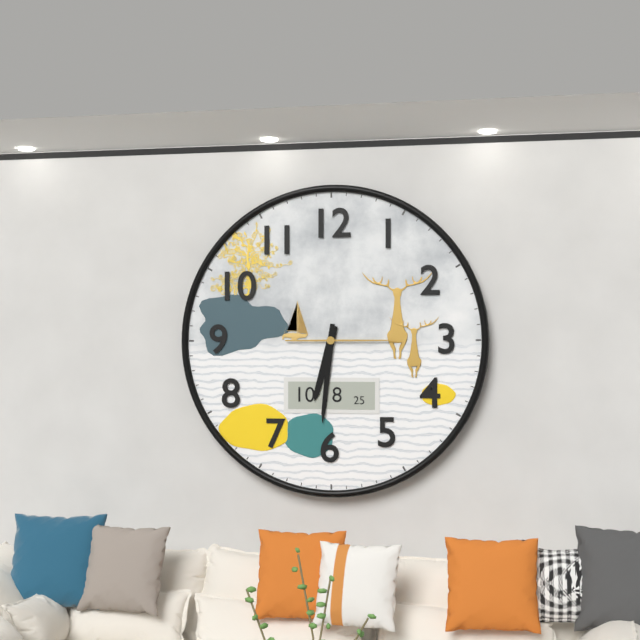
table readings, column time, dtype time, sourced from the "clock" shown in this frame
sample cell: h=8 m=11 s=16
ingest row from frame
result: h=6 m=31 s=15
